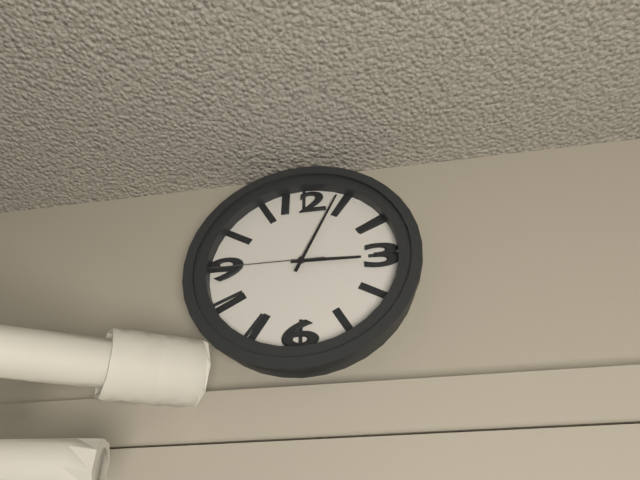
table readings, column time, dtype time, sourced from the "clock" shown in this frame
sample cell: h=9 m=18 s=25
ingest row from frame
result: h=3 m=4 s=45
